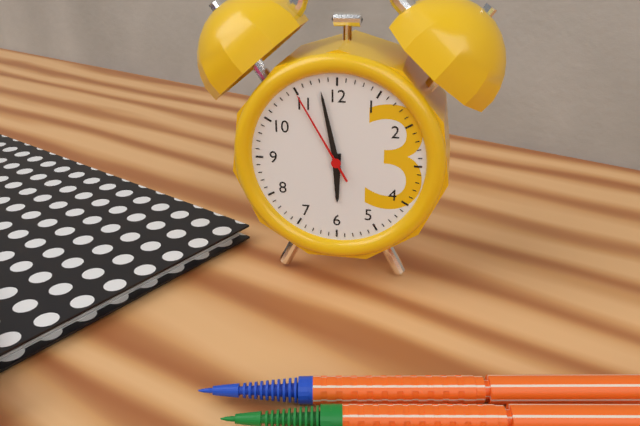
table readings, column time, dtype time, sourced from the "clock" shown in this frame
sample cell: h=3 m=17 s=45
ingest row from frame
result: h=5 m=58 s=55
